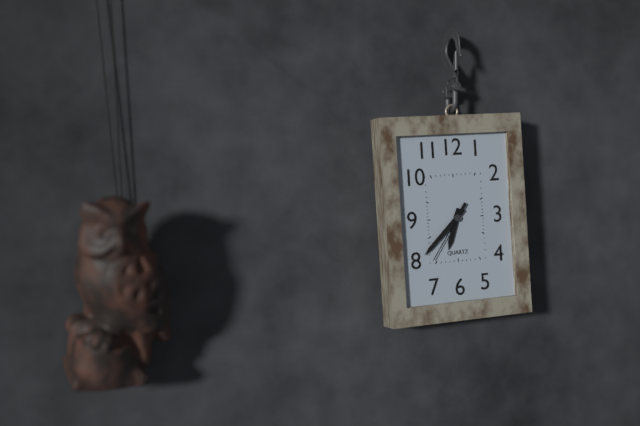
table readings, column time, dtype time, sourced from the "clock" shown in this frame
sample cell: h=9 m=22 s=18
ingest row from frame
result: h=6 m=38 s=36
